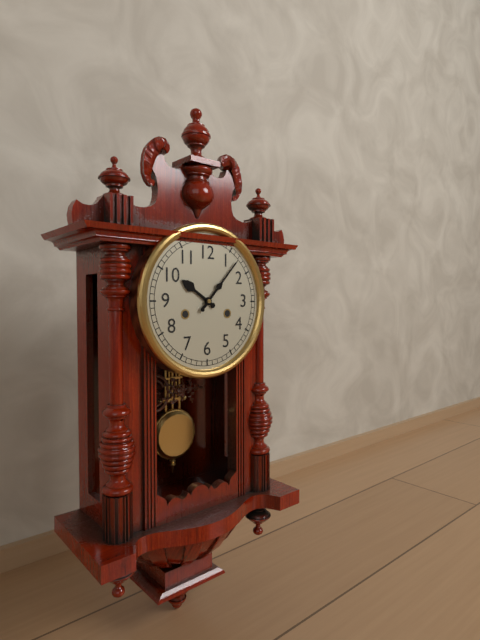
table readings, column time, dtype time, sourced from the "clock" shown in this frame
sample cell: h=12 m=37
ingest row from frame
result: h=10 m=7
